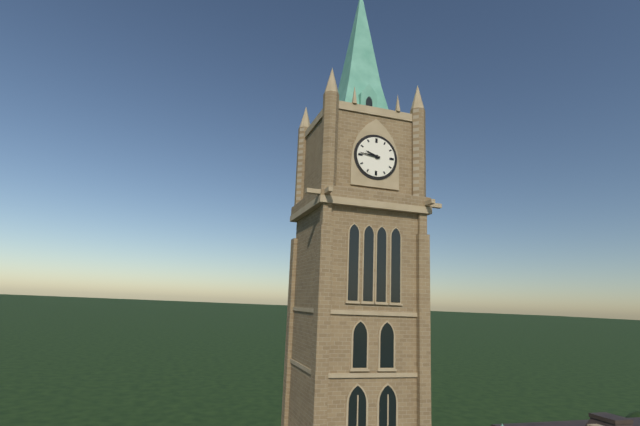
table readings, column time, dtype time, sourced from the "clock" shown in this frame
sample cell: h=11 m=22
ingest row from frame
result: h=9 m=46
